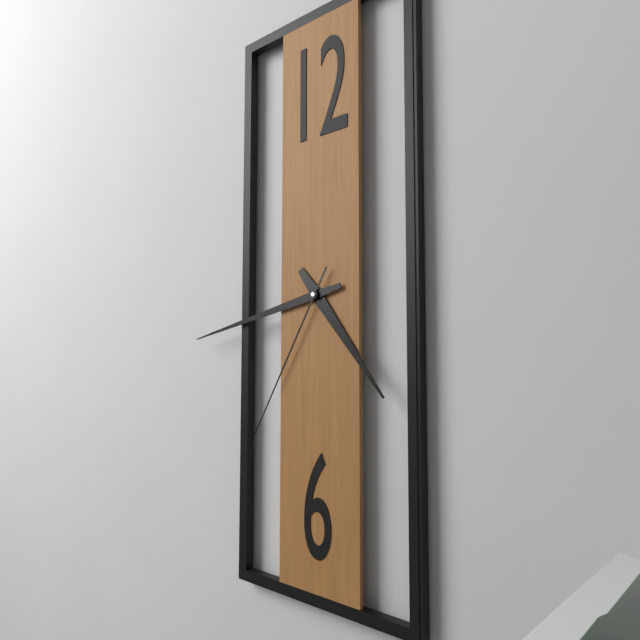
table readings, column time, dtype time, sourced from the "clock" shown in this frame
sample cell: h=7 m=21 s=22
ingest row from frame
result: h=4 m=43 s=35
